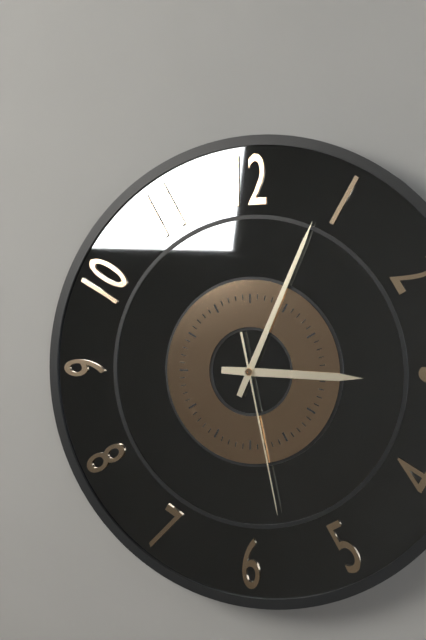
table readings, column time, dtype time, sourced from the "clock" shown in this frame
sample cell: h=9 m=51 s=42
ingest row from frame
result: h=3 m=4 s=28
